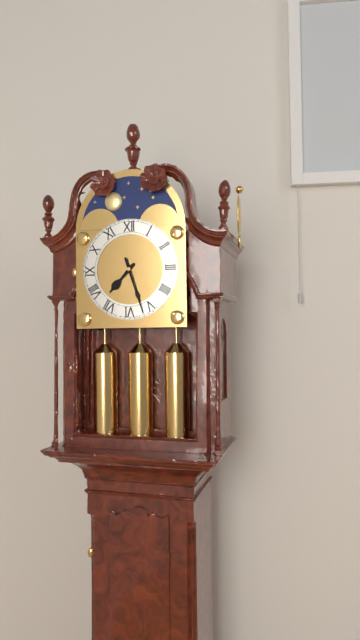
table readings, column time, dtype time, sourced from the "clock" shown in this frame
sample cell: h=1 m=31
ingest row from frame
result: h=7 m=27
